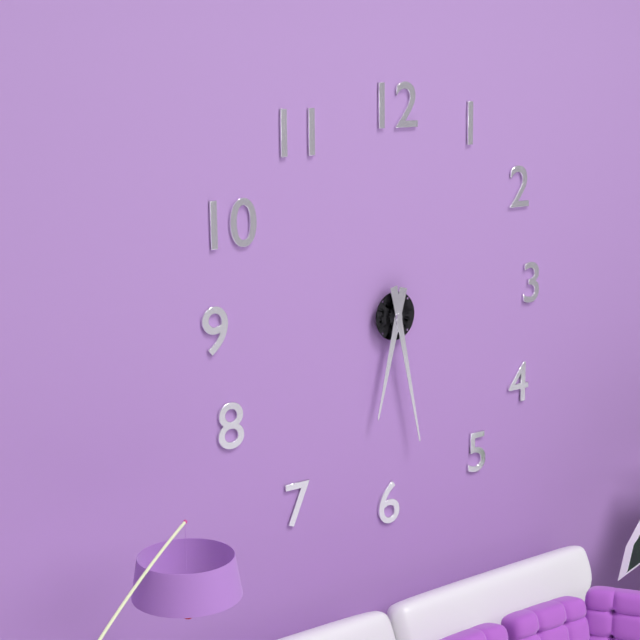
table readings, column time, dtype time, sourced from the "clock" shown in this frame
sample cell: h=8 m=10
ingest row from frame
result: h=6 m=28
